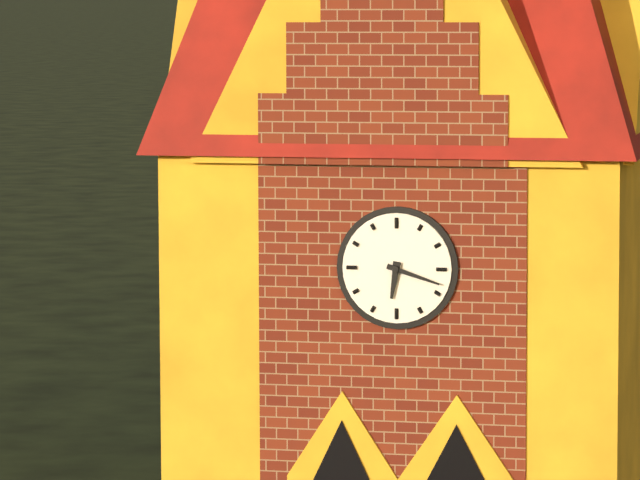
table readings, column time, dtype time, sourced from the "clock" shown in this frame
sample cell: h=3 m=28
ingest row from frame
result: h=6 m=18
